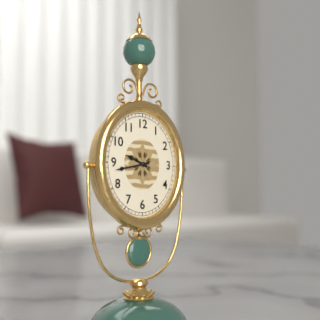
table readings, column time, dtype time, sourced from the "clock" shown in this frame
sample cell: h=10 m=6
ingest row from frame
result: h=9 m=43
